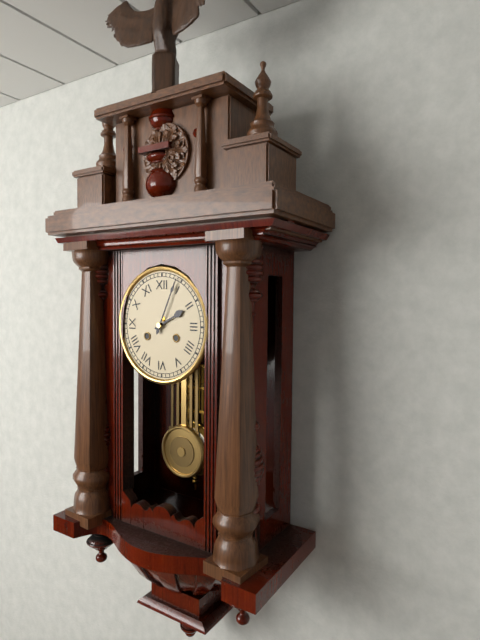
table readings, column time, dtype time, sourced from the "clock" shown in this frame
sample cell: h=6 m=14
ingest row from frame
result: h=2 m=4
